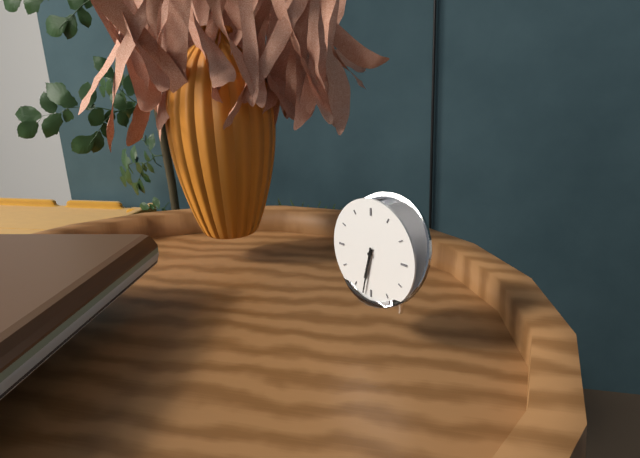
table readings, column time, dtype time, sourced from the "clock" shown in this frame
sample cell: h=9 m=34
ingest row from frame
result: h=6 m=32
